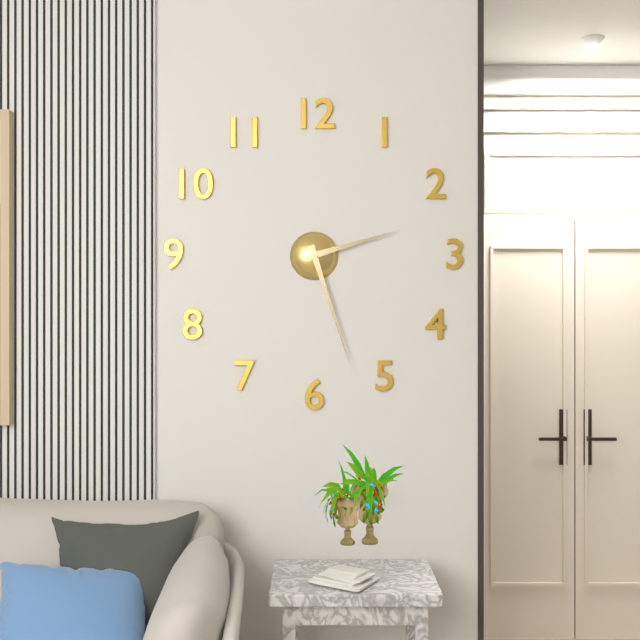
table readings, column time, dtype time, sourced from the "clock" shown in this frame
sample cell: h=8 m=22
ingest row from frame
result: h=2 m=27
